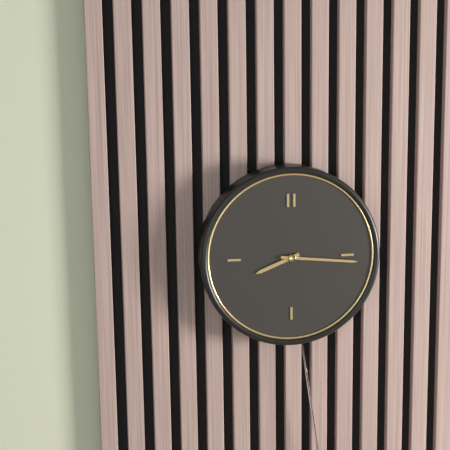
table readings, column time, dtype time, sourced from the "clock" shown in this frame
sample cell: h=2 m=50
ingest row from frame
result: h=8 m=16
